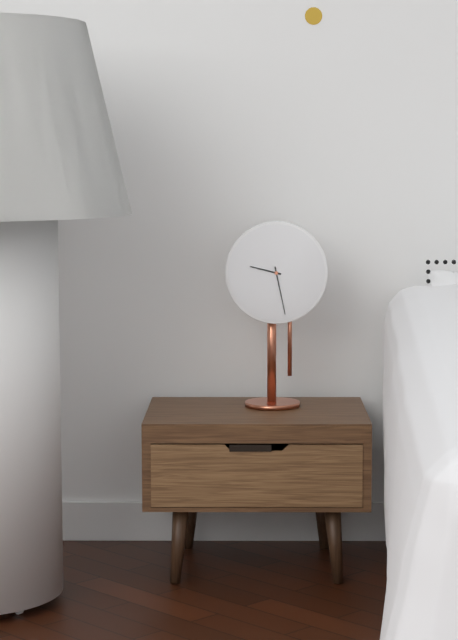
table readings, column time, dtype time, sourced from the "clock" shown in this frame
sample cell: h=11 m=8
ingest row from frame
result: h=9 m=28
